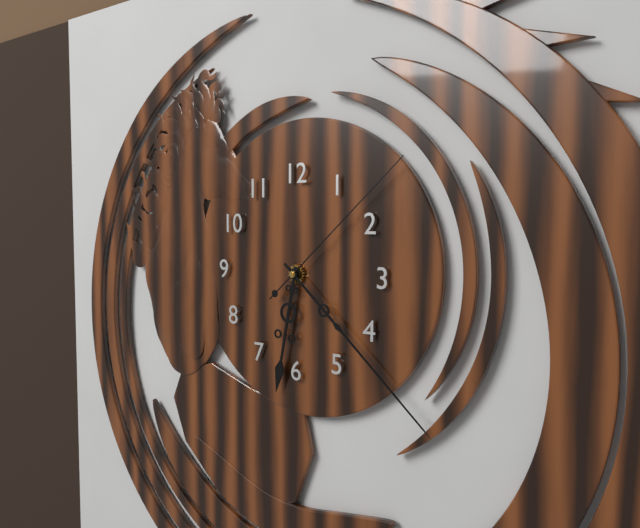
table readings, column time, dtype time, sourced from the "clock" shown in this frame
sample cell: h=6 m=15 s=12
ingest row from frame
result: h=6 m=22 s=8
